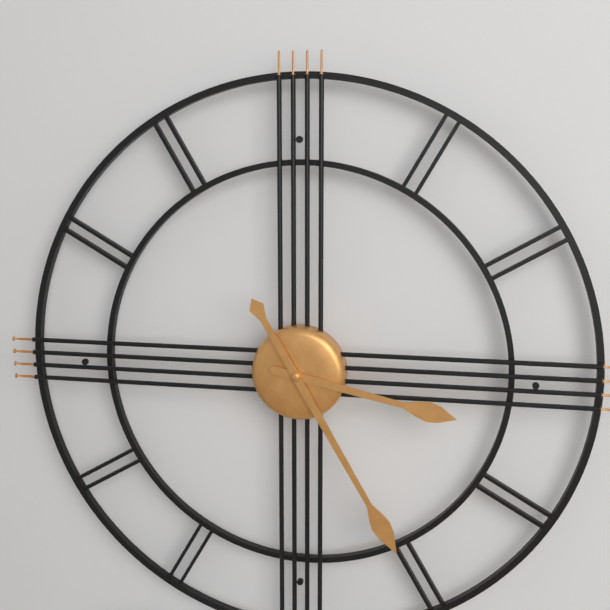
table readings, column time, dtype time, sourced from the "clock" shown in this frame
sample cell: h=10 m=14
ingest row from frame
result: h=3 m=25
